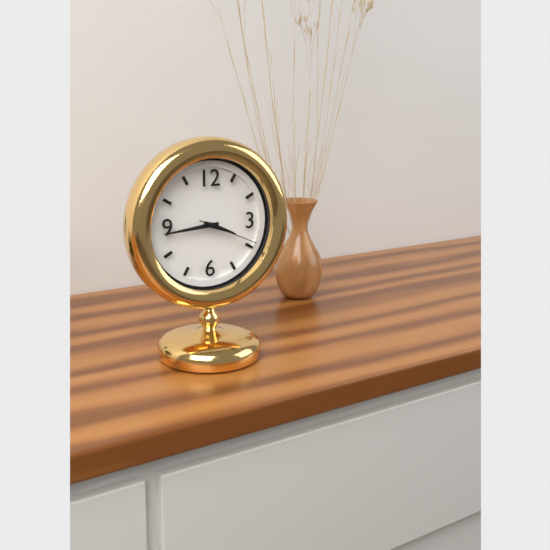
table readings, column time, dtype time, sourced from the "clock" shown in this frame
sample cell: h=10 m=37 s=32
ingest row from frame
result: h=3 m=44 s=19
